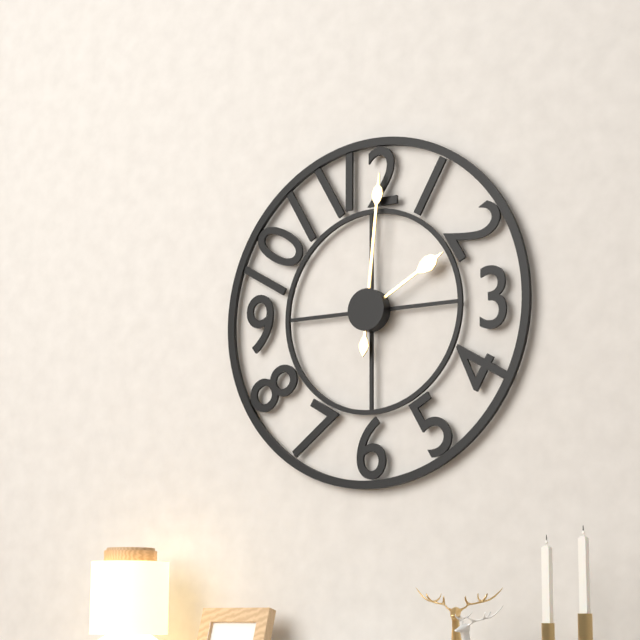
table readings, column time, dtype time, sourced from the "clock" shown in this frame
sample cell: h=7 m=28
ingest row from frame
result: h=2 m=1
